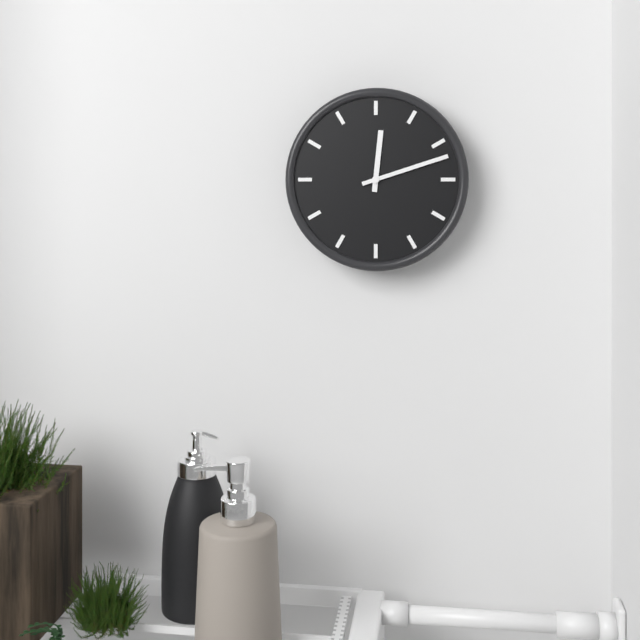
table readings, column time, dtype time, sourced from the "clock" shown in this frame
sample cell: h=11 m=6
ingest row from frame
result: h=12 m=12
